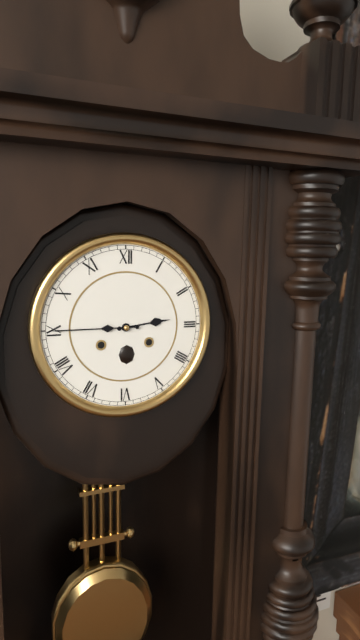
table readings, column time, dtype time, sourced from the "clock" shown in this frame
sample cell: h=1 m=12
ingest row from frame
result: h=2 m=45
